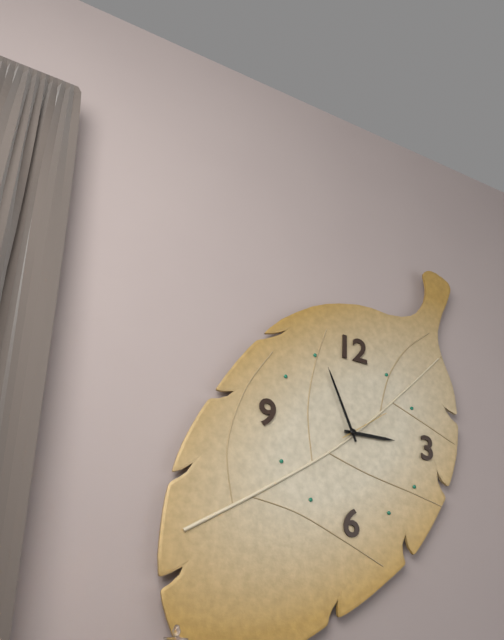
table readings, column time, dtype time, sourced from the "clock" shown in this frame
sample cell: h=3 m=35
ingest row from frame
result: h=2 m=56
